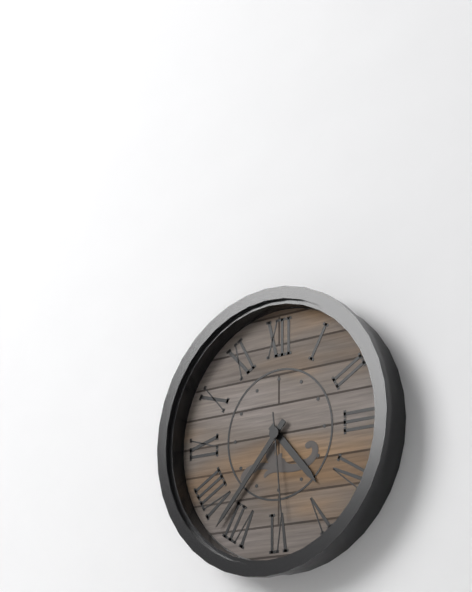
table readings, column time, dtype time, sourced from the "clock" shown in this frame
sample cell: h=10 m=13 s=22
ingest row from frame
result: h=4 m=37 s=29
